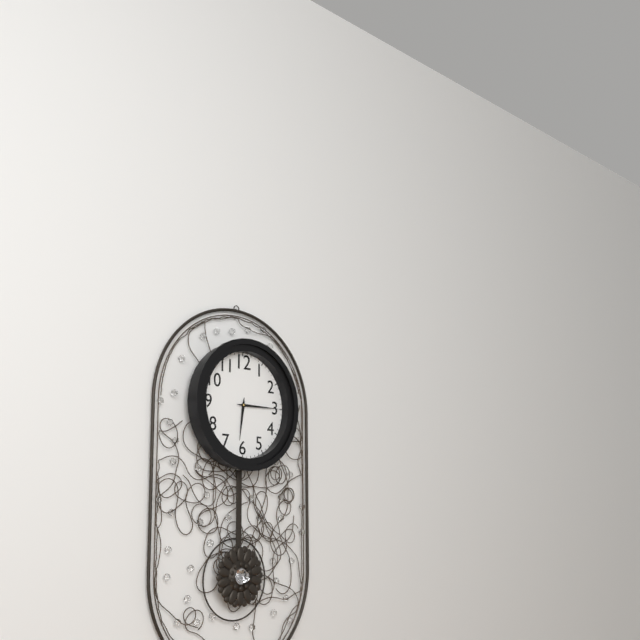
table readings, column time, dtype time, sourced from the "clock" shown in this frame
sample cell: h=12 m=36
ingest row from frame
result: h=6 m=15
